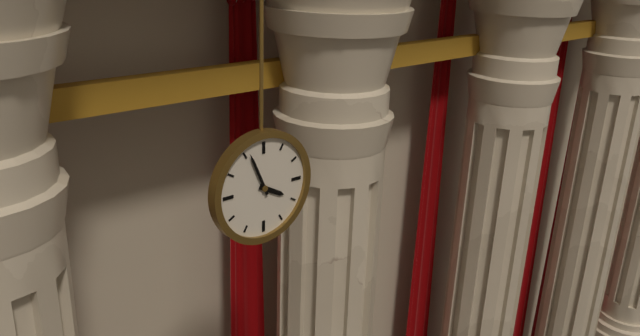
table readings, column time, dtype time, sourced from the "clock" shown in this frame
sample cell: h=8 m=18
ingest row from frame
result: h=3 m=56
